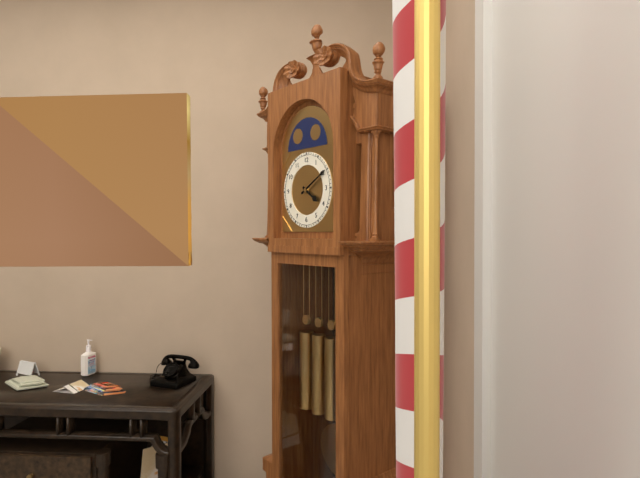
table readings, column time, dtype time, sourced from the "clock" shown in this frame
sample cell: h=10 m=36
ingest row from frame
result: h=4 m=10
